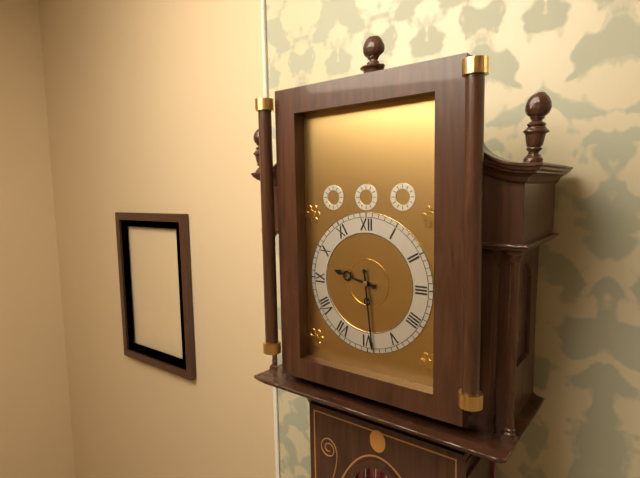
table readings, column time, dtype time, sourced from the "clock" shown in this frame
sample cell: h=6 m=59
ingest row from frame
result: h=9 m=29
